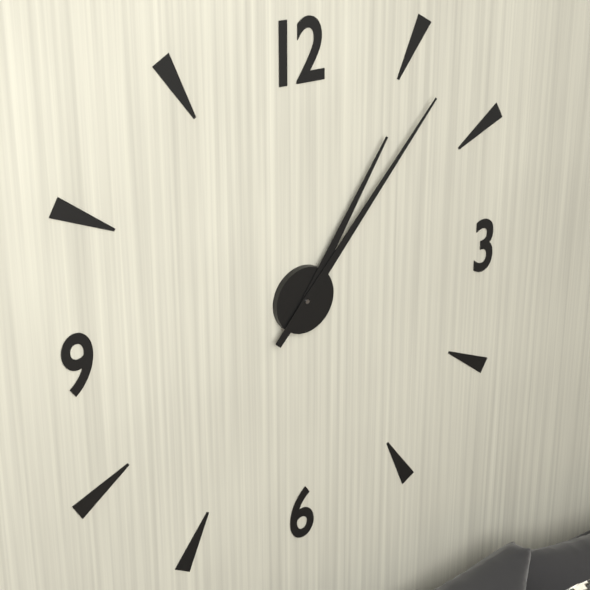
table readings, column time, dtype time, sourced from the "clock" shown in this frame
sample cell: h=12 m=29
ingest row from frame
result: h=1 m=7
